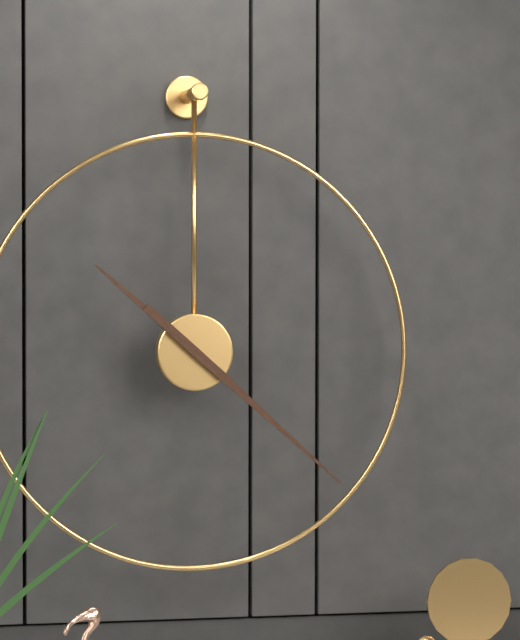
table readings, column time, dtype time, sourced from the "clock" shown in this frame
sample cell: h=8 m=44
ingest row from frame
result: h=10 m=22
